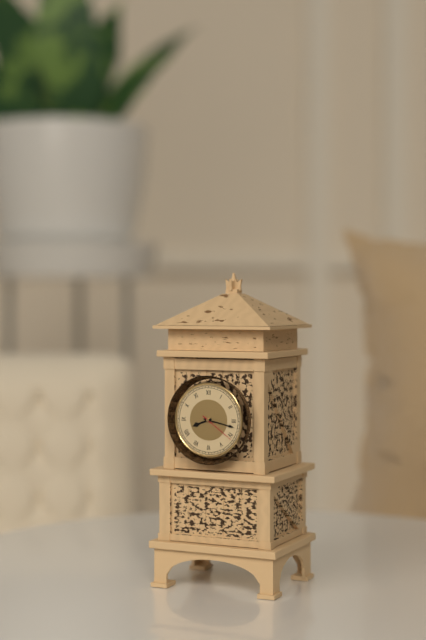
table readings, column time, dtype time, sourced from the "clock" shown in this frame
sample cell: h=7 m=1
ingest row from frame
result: h=8 m=17
